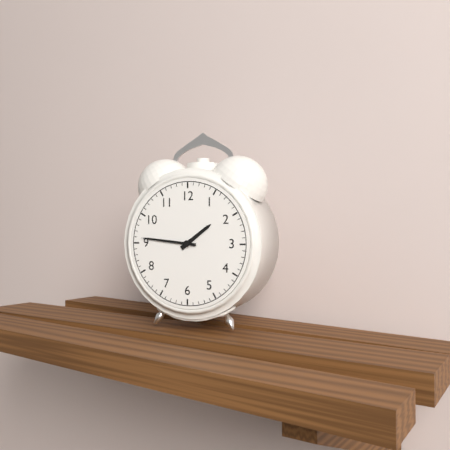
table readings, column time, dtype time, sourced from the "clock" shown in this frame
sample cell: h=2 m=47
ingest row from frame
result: h=1 m=46
